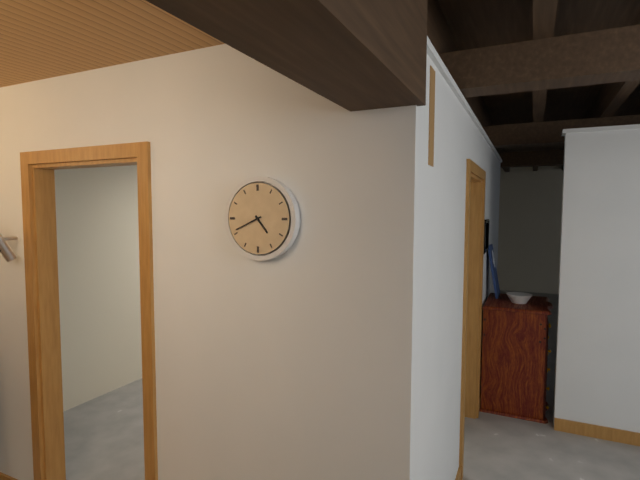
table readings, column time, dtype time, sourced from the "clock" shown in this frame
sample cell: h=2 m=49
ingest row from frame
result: h=4 m=41
